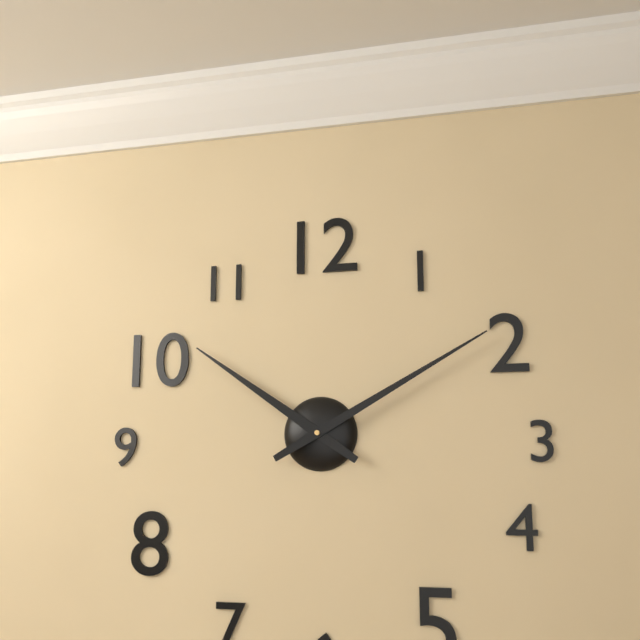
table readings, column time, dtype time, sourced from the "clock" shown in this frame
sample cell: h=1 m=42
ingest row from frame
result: h=10 m=10
